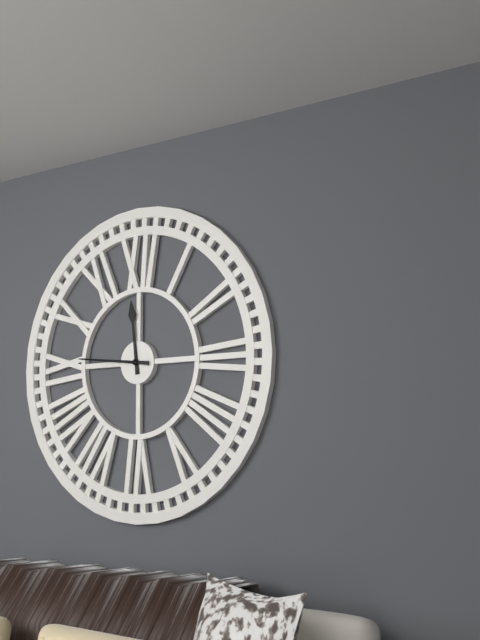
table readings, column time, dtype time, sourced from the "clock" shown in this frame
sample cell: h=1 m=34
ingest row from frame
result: h=11 m=46
